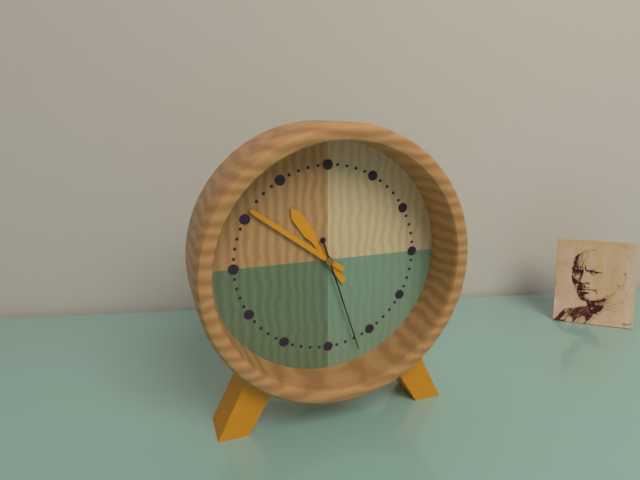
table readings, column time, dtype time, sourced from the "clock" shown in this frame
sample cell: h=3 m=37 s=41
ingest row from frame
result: h=10 m=51 s=27
